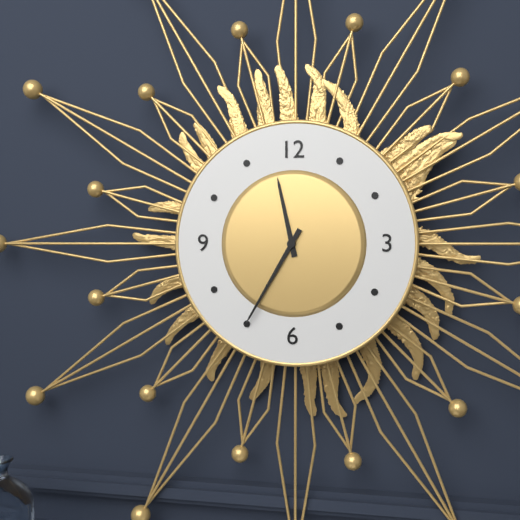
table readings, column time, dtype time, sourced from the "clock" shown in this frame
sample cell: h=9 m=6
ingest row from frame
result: h=11 m=35
